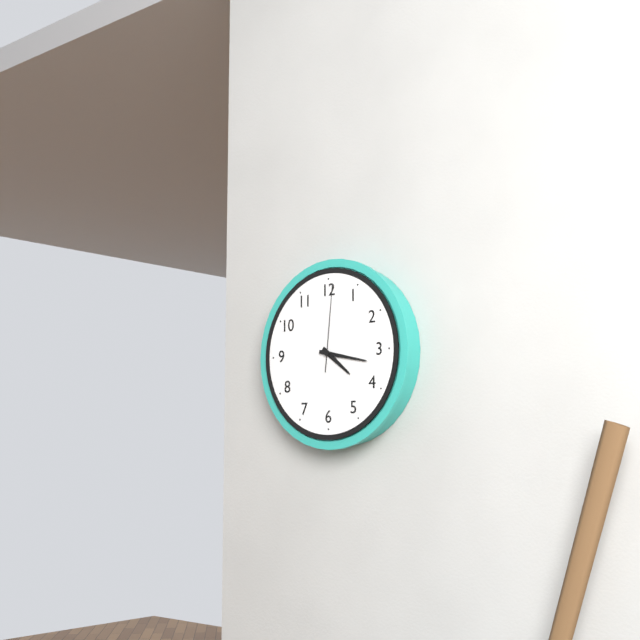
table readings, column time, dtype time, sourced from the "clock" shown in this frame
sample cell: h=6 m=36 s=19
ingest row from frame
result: h=4 m=17 s=1
